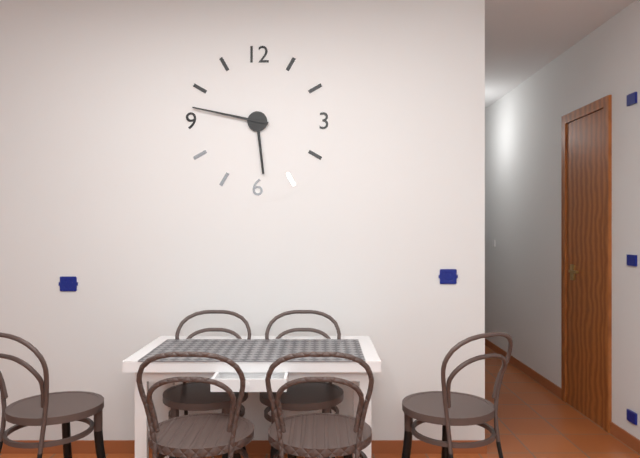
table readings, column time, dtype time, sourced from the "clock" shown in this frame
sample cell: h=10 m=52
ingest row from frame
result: h=5 m=47
